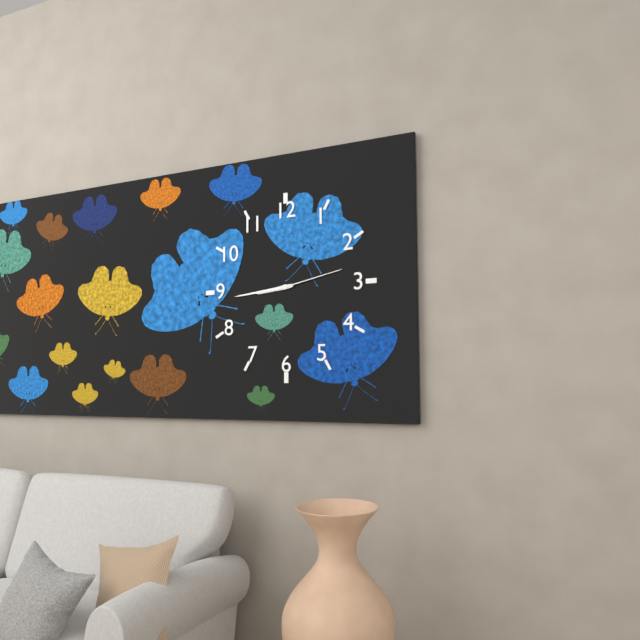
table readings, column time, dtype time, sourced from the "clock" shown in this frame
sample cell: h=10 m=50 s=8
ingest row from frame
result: h=8 m=44 s=13
